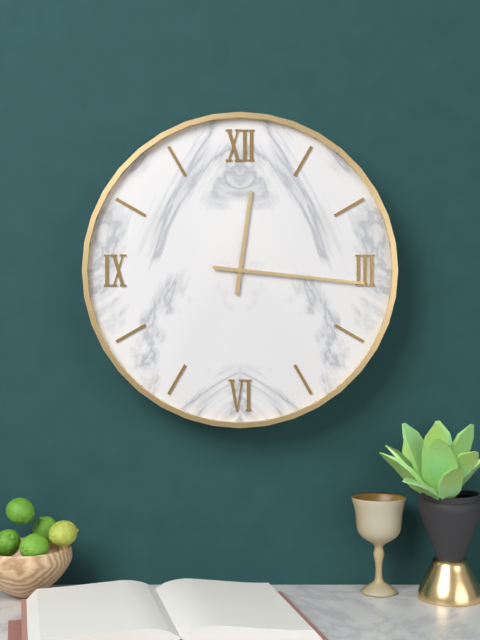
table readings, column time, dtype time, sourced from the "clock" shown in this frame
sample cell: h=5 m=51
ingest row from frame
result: h=12 m=16
